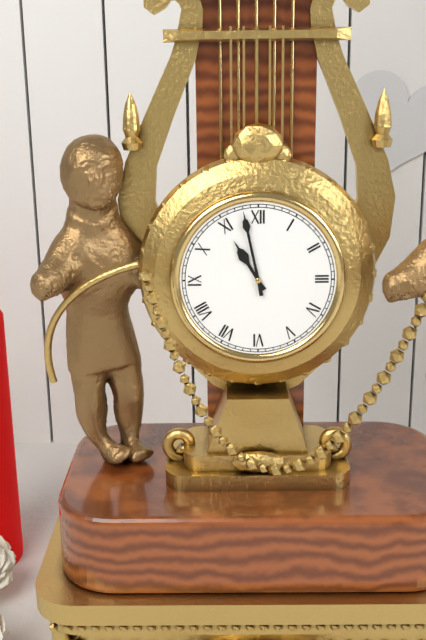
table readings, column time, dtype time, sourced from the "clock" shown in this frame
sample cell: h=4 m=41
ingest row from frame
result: h=10 m=58
